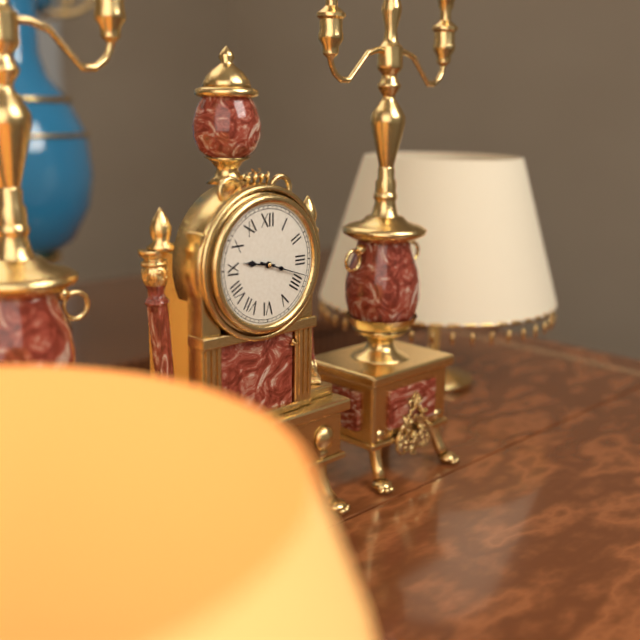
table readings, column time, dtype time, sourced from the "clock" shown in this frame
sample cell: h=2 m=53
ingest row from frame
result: h=9 m=18
